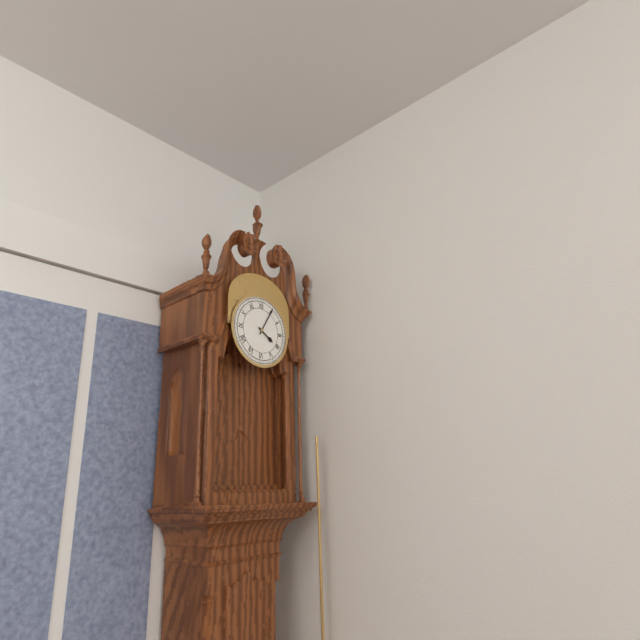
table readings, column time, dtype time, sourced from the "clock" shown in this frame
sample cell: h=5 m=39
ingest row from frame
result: h=4 m=5
